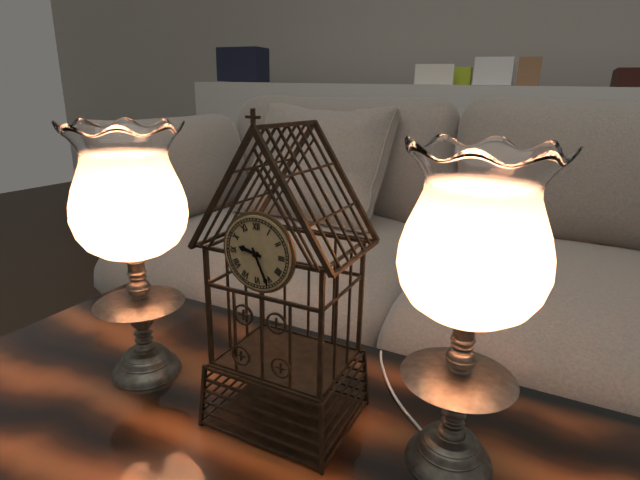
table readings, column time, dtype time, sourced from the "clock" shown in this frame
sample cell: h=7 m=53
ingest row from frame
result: h=9 m=26
